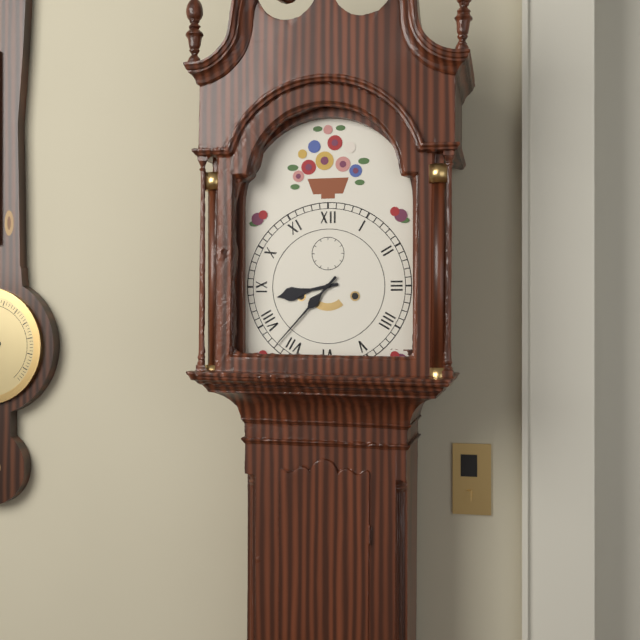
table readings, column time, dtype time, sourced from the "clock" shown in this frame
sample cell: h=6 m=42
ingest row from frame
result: h=8 m=37
